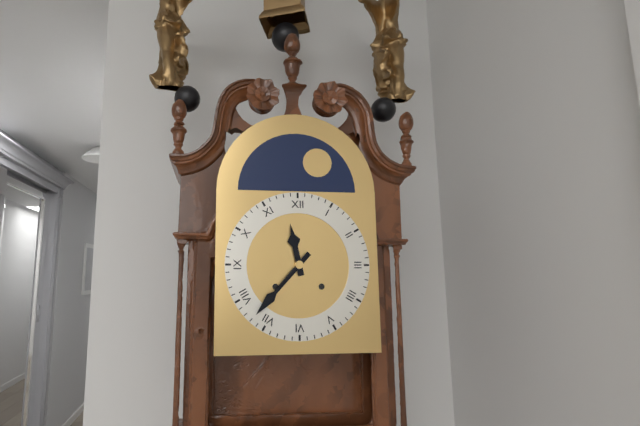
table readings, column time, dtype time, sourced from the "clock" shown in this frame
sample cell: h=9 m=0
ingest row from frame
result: h=11 m=37
